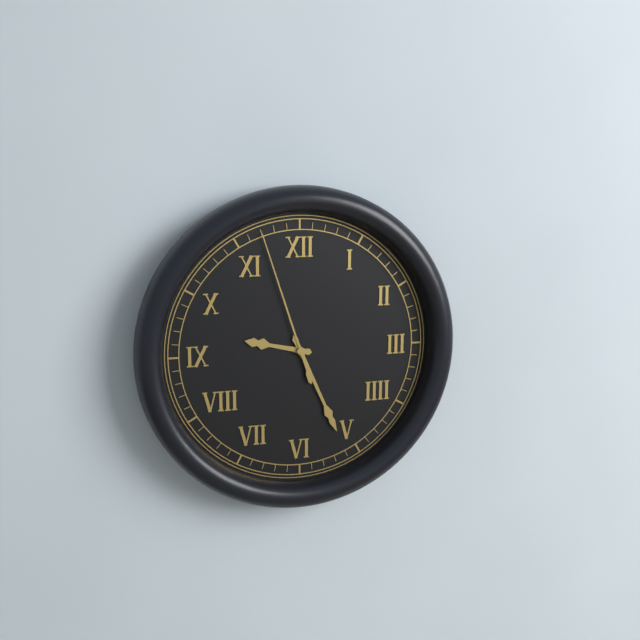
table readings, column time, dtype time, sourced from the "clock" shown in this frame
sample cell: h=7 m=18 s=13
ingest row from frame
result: h=9 m=26 s=57
